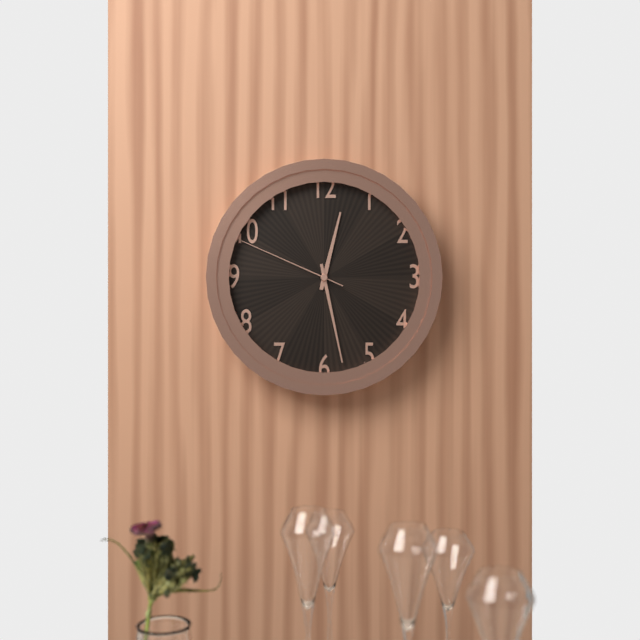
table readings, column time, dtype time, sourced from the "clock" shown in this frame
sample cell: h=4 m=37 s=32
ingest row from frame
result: h=12 m=28 s=49
